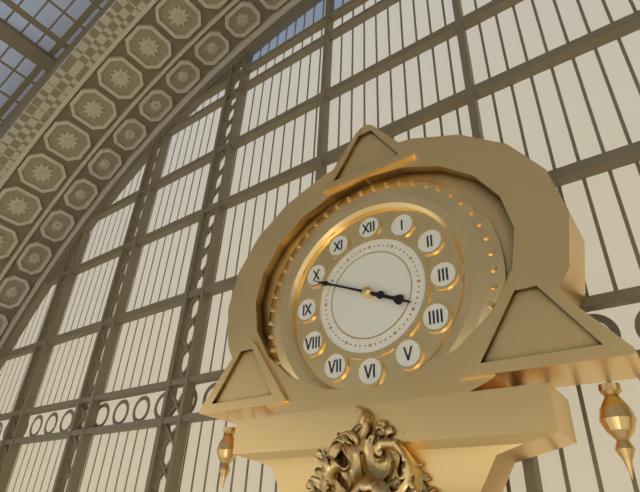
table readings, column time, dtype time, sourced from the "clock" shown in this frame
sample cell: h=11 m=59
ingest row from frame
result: h=3 m=49
